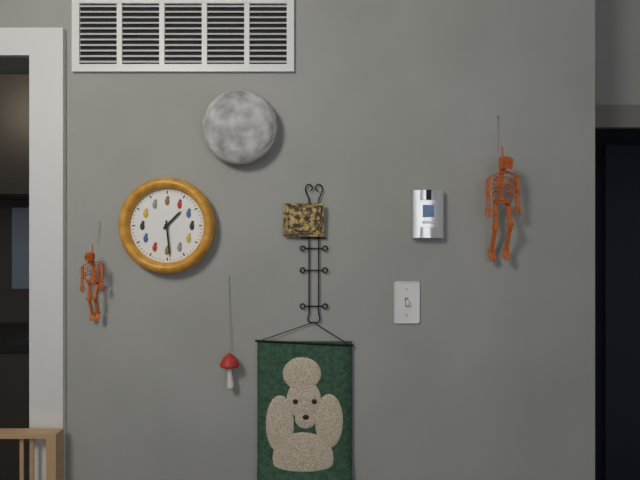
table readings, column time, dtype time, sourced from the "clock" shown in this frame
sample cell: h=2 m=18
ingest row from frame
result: h=1 m=29
